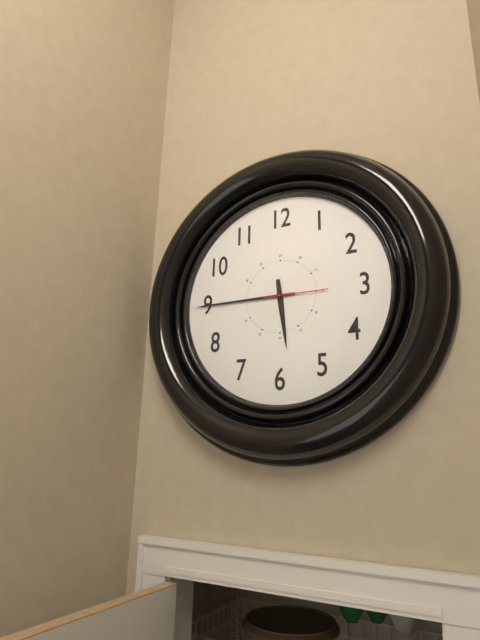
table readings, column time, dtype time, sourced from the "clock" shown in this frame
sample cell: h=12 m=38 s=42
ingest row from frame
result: h=5 m=45 s=15
